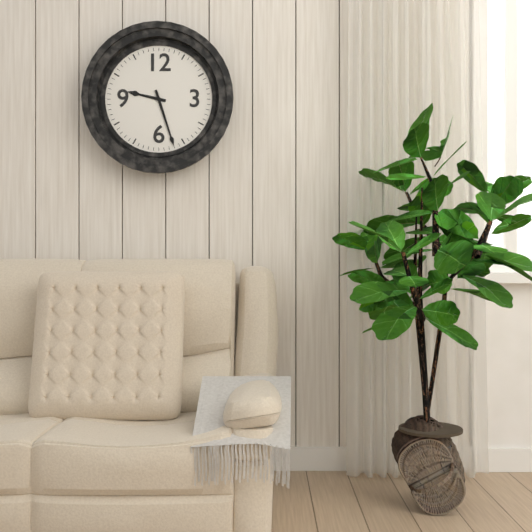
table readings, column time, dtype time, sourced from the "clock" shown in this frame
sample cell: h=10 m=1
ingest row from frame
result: h=9 m=27
